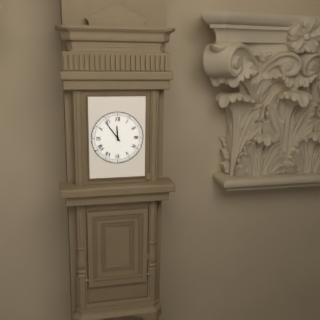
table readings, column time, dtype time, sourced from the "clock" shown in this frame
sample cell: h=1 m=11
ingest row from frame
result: h=11 m=54
